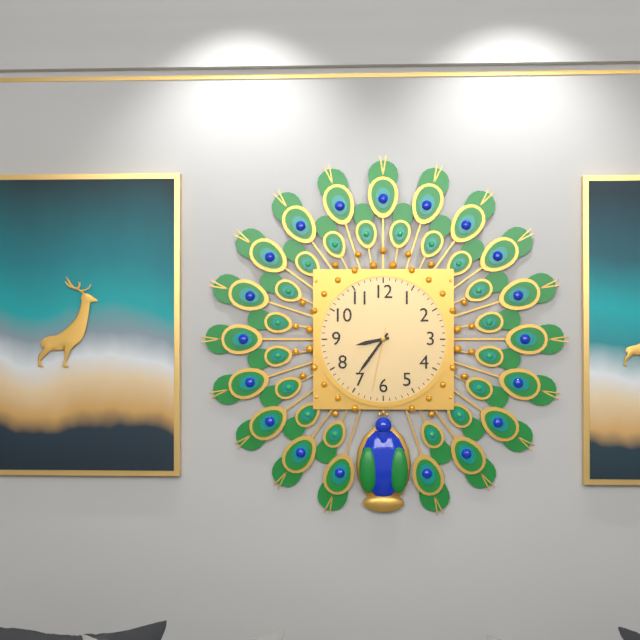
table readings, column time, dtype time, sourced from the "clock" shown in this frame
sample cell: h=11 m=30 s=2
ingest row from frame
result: h=8 m=36 s=32
